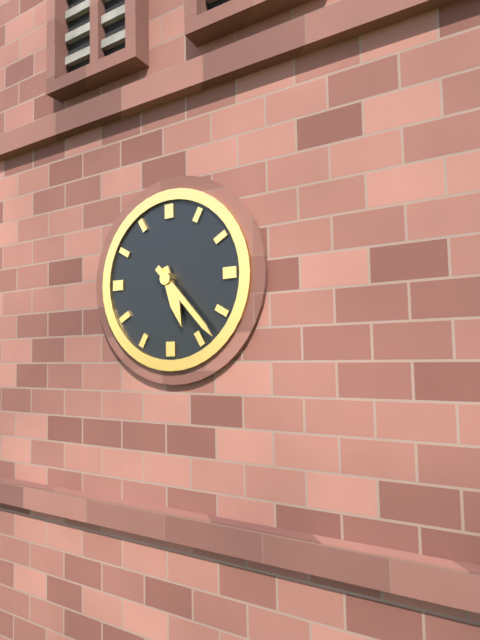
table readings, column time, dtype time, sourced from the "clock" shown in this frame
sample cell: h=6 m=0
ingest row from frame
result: h=5 m=23
